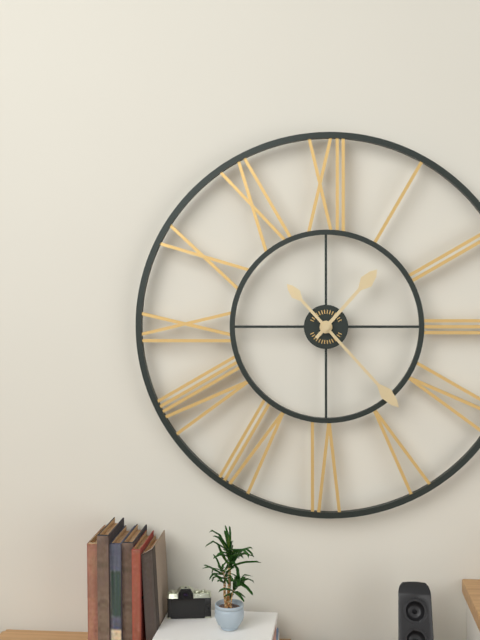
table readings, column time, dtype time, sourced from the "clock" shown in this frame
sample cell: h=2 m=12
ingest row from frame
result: h=1 m=23
